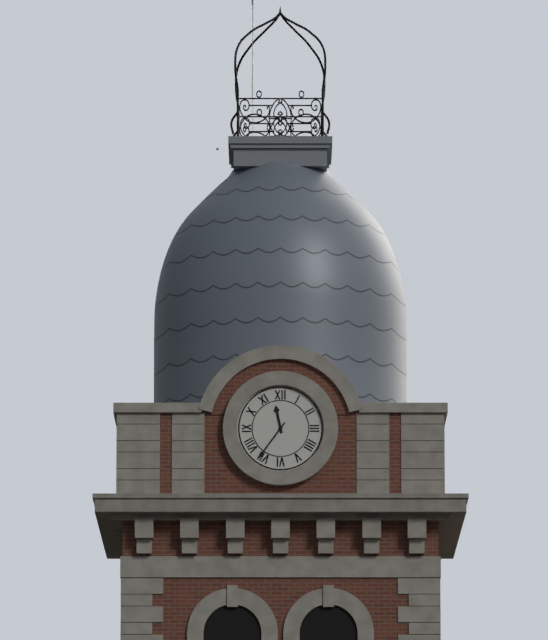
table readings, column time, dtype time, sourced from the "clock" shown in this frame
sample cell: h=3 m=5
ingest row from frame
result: h=11 m=36
